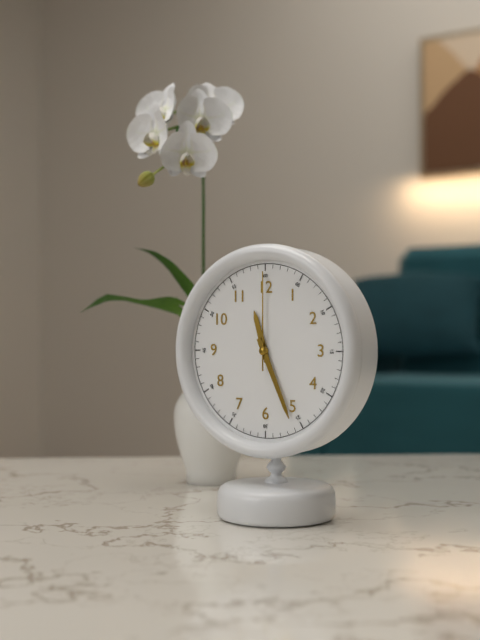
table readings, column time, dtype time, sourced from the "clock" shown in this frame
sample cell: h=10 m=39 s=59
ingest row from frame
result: h=11 m=26 s=0
